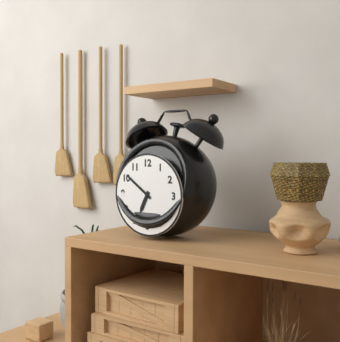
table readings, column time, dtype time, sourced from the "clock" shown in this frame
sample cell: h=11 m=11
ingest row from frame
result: h=6 m=51
